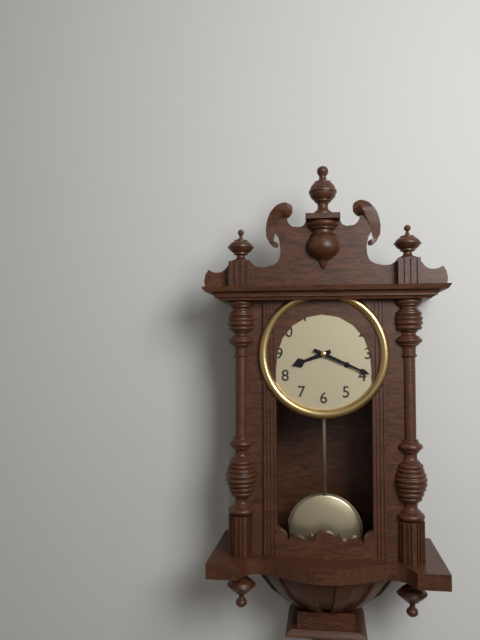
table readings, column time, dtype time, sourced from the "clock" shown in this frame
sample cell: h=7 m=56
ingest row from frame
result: h=8 m=19
